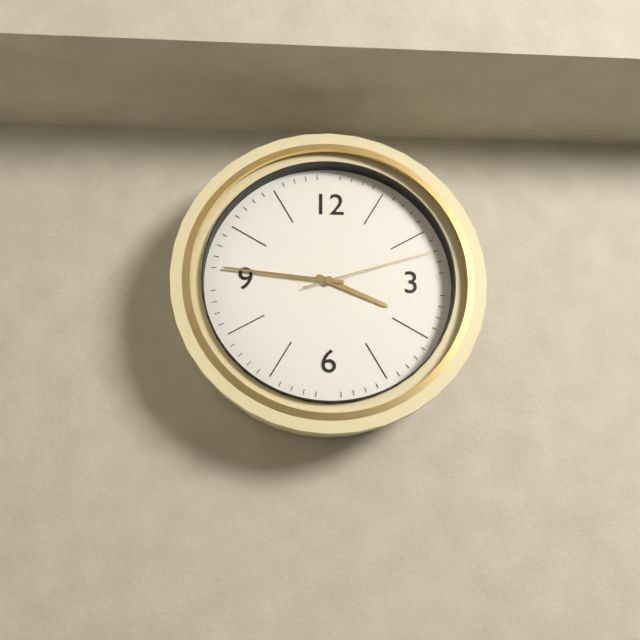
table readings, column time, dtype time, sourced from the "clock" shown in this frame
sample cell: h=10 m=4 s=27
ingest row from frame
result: h=3 m=46 s=12
